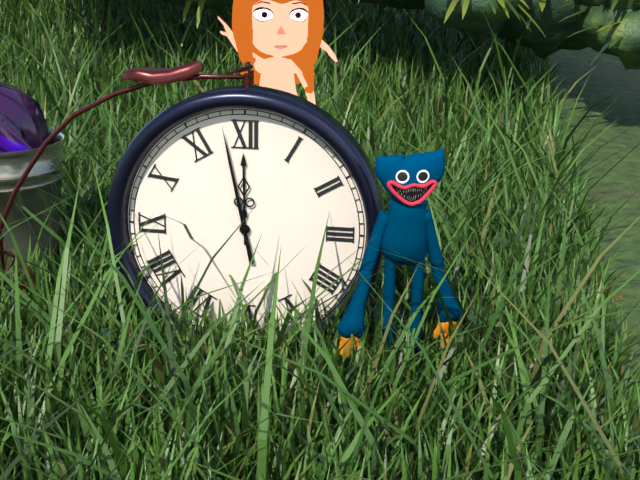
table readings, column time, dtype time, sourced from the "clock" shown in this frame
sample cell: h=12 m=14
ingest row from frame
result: h=11 m=58
